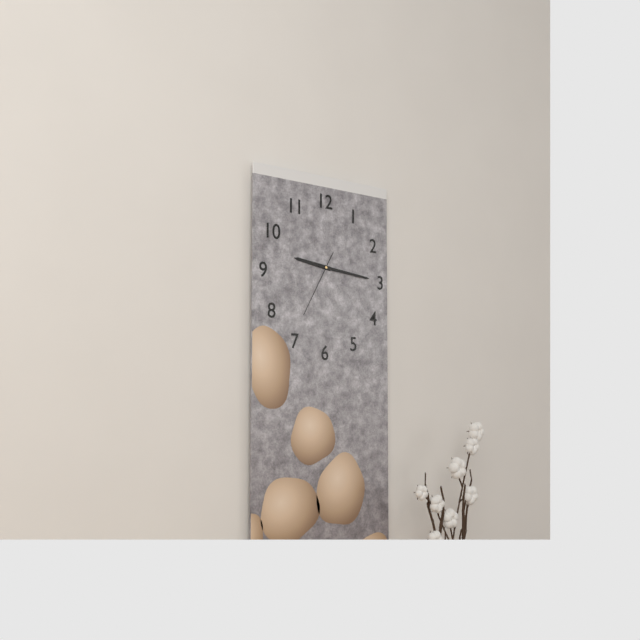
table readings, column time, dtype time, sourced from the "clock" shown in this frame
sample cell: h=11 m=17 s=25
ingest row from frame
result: h=9 m=16 s=35
